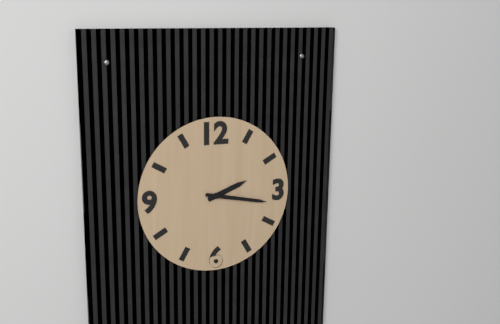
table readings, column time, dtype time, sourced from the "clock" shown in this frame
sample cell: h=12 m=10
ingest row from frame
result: h=2 m=17
